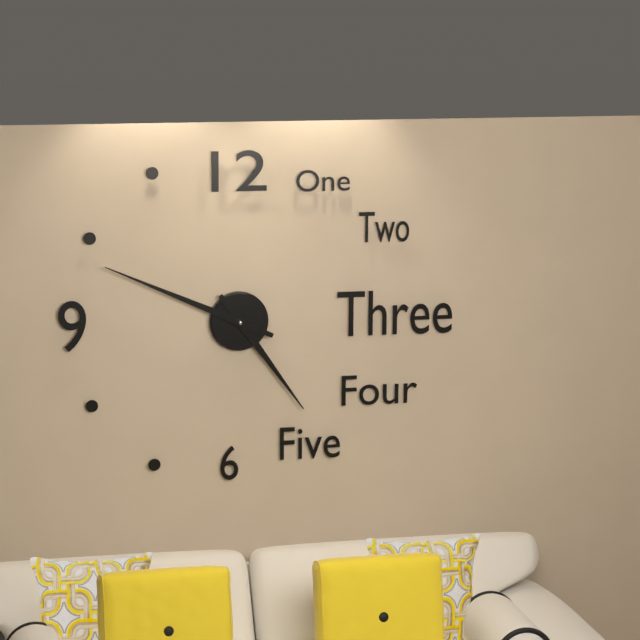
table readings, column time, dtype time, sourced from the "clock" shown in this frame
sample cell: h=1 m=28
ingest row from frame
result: h=4 m=49
